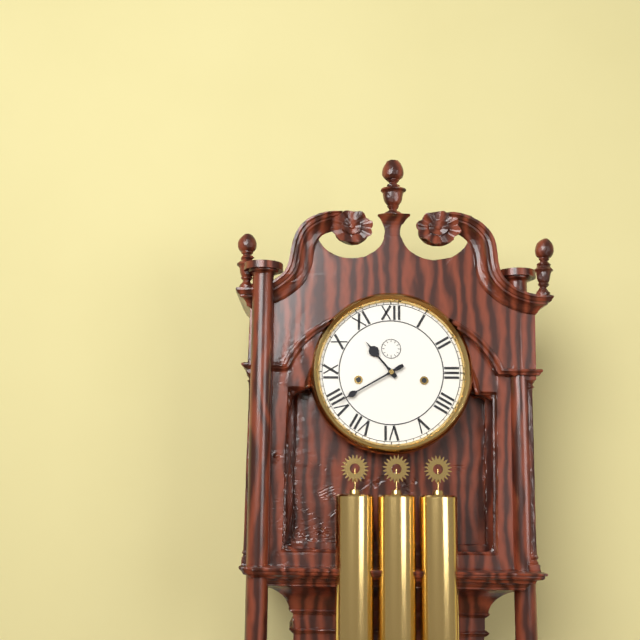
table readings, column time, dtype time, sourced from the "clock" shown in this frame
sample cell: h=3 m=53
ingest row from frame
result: h=10 m=40
